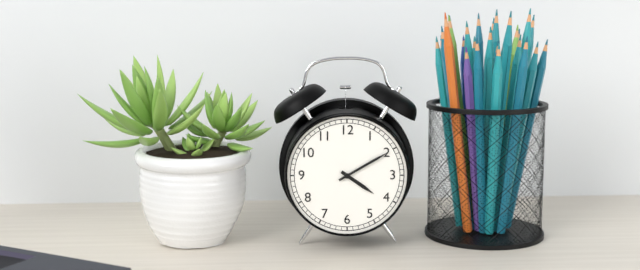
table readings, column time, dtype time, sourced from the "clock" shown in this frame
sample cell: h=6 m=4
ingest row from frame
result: h=4 m=10
